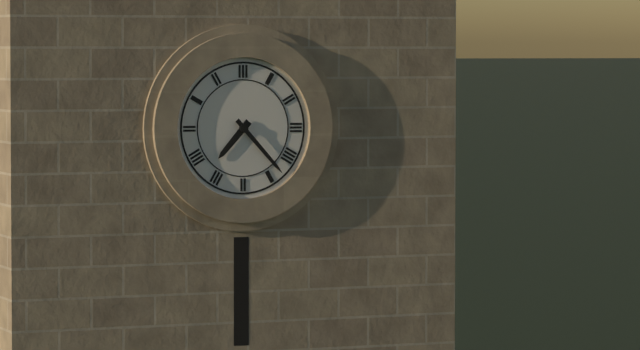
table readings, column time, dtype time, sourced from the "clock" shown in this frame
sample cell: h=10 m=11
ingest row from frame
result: h=7 m=23
